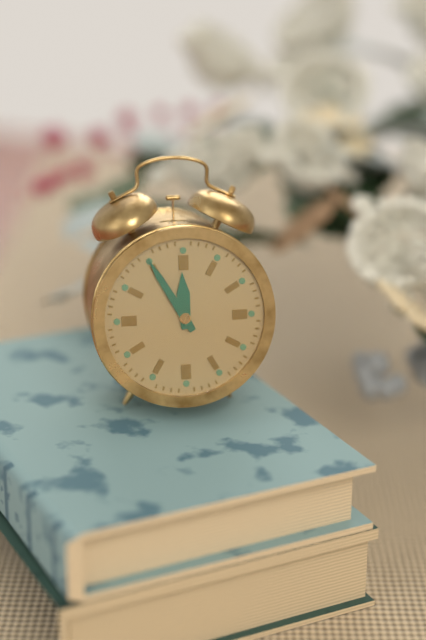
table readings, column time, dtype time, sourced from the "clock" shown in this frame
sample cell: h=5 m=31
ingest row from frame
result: h=11 m=55
